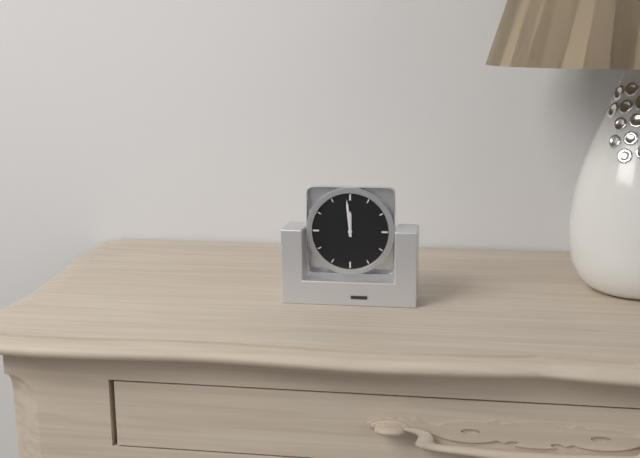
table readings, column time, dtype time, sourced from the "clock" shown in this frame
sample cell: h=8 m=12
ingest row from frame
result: h=11 m=59
